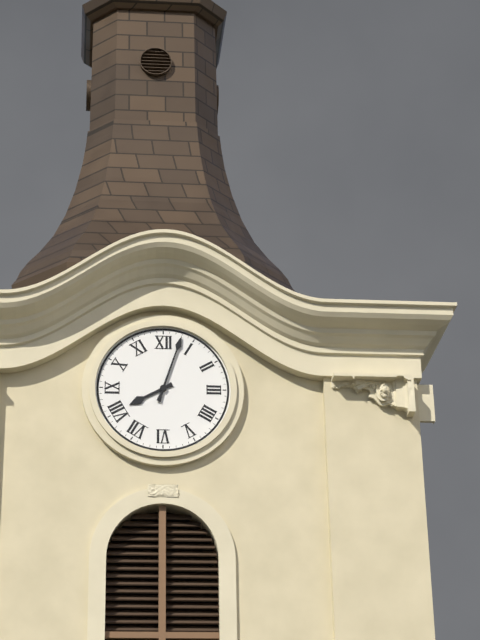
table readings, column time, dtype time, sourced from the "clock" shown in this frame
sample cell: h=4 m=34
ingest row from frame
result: h=8 m=3
